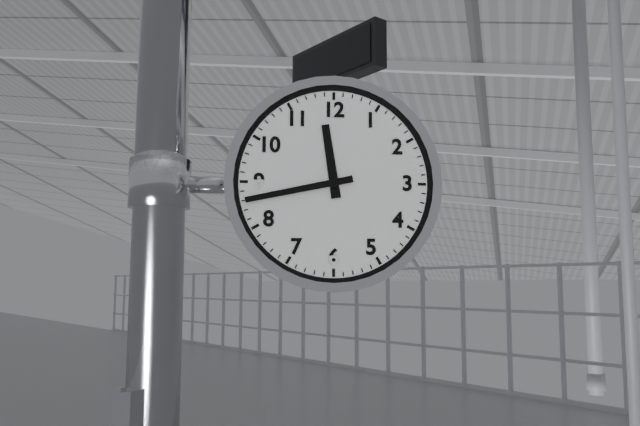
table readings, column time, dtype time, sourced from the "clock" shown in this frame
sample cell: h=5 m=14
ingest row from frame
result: h=11 m=43
